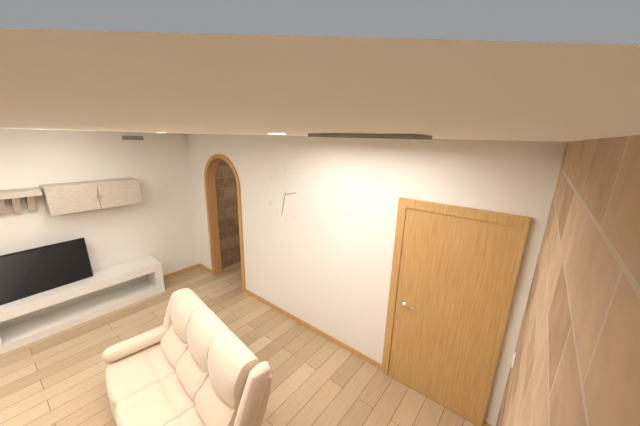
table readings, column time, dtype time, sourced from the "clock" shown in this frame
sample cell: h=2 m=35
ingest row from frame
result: h=2 m=32
